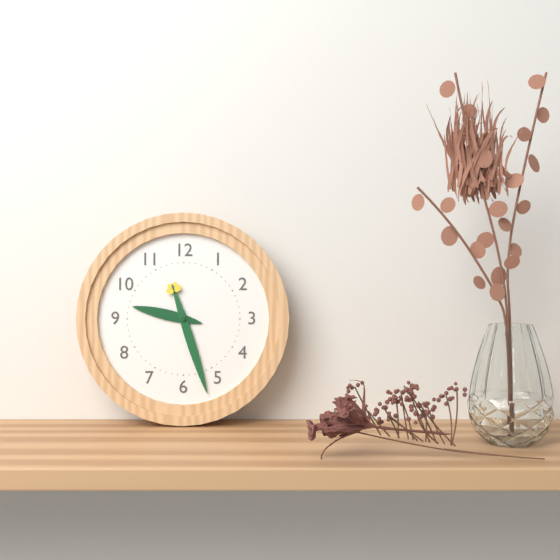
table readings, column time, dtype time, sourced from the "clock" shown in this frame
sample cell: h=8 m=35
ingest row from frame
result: h=9 m=27
